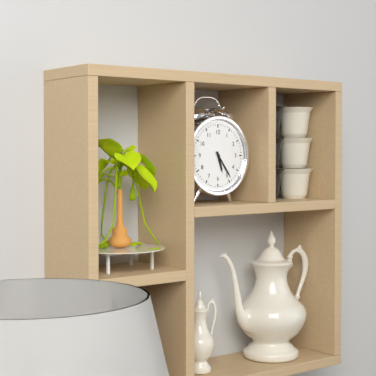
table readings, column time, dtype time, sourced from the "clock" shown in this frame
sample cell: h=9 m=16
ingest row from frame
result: h=5 m=24
